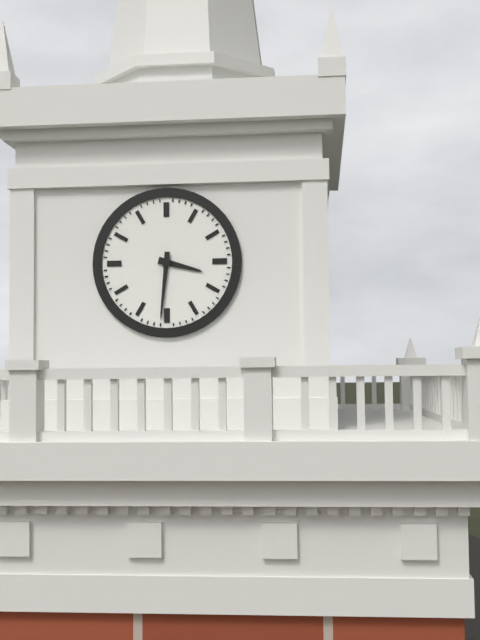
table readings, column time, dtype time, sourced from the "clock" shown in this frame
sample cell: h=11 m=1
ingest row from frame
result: h=3 m=31
